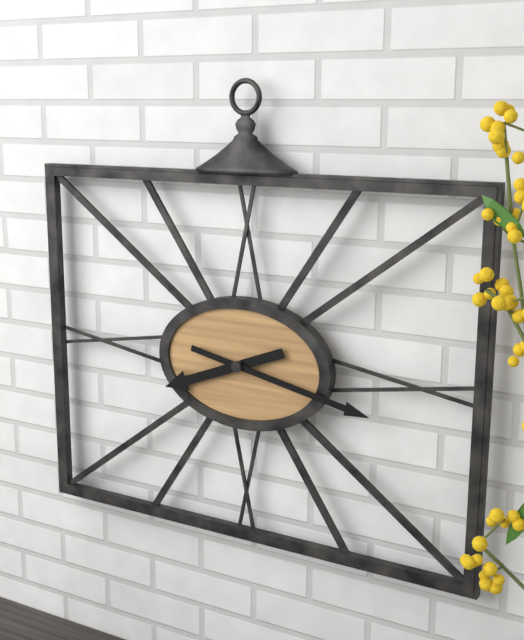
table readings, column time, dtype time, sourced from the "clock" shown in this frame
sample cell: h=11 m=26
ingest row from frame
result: h=8 m=17
